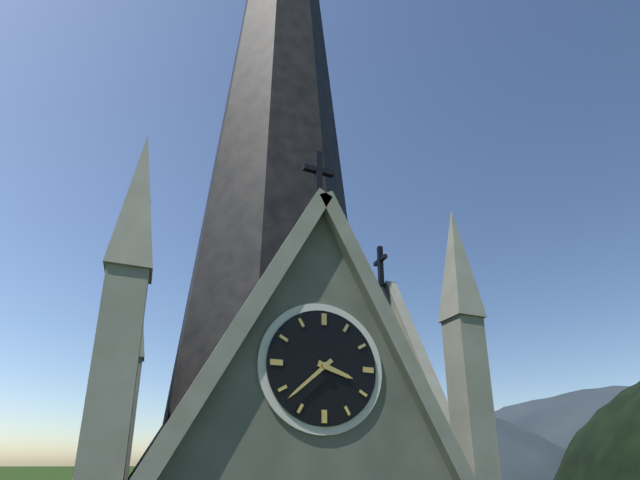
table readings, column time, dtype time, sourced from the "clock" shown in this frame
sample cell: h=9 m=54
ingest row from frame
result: h=3 m=38
